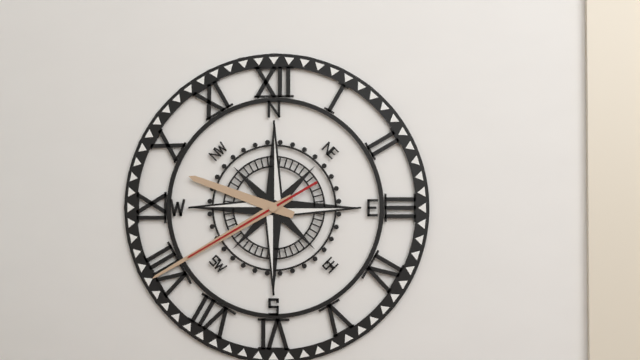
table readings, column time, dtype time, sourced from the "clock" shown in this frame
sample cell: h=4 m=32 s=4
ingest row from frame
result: h=9 m=40 s=40
